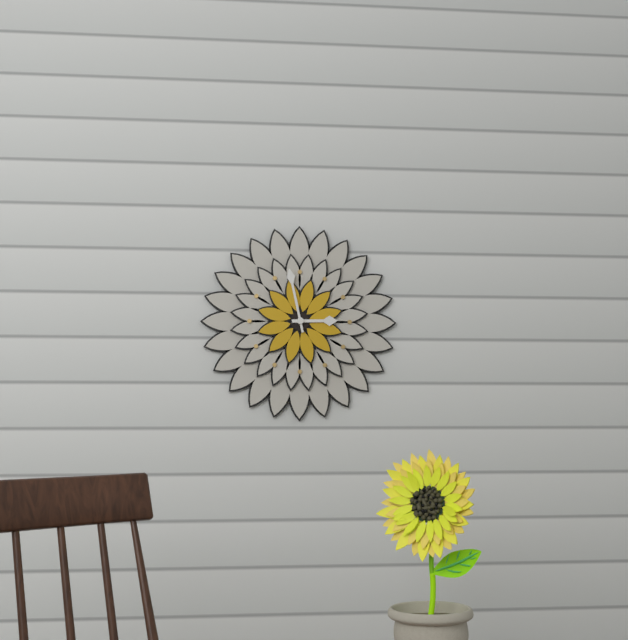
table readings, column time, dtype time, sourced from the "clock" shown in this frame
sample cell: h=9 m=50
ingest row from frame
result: h=2 m=58
